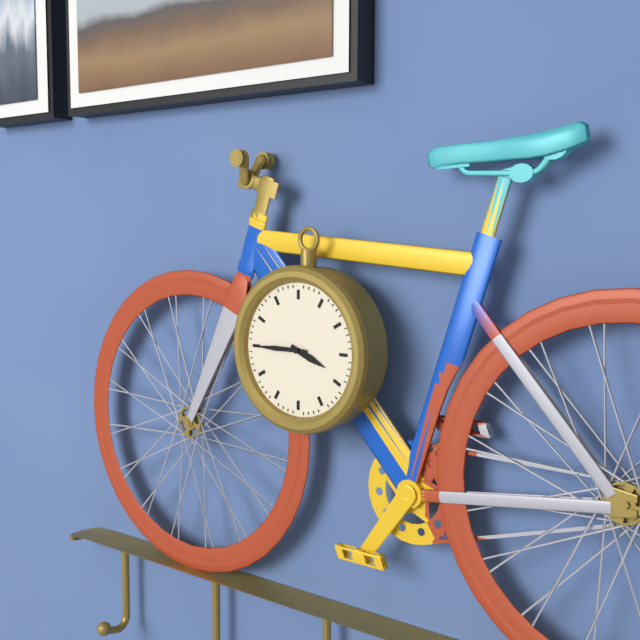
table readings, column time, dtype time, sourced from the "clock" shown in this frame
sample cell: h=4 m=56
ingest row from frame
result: h=3 m=45
